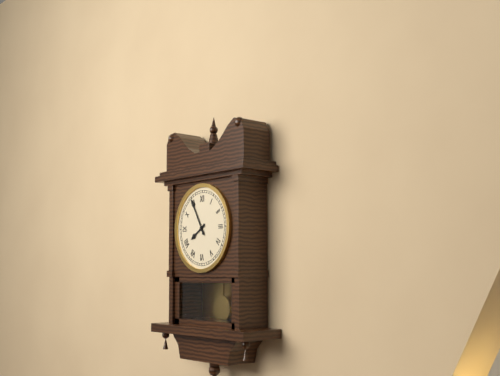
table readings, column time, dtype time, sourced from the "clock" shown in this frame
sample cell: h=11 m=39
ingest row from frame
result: h=7 m=55
